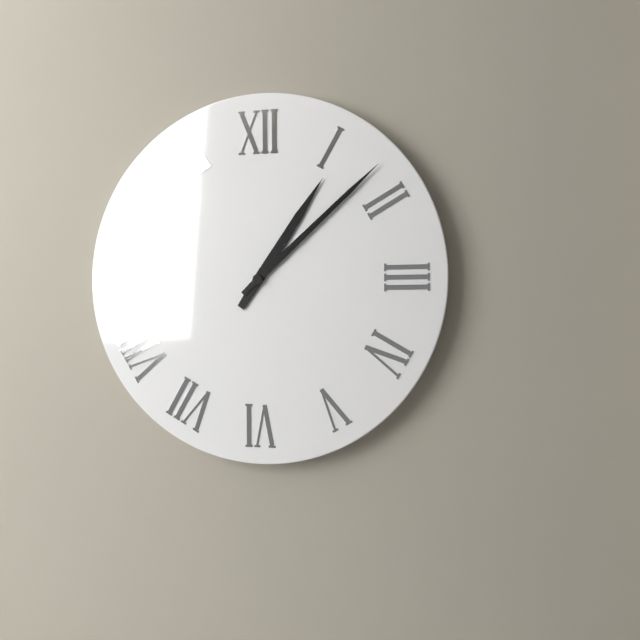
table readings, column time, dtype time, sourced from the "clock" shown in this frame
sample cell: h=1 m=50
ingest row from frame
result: h=1 m=8
